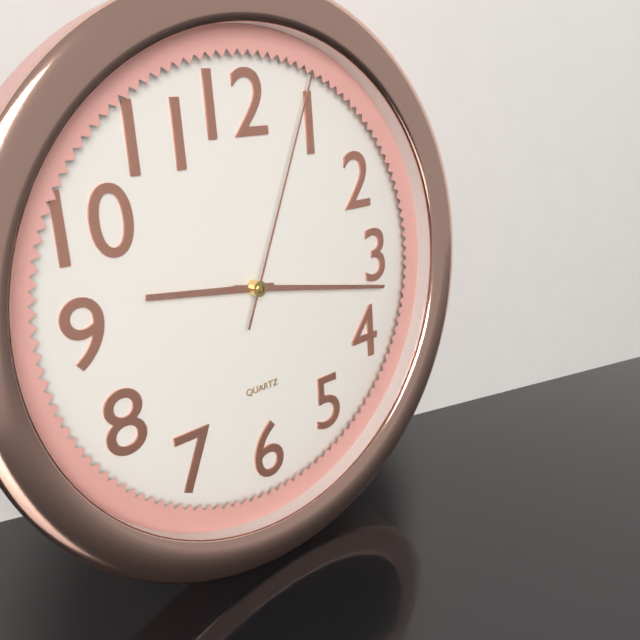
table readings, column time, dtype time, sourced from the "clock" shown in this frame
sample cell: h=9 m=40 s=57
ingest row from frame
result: h=9 m=17 s=4
